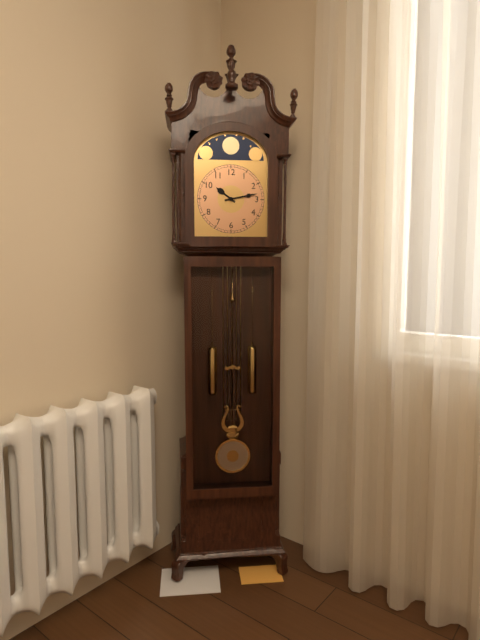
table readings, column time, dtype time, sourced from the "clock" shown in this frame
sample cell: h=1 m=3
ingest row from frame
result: h=10 m=13
